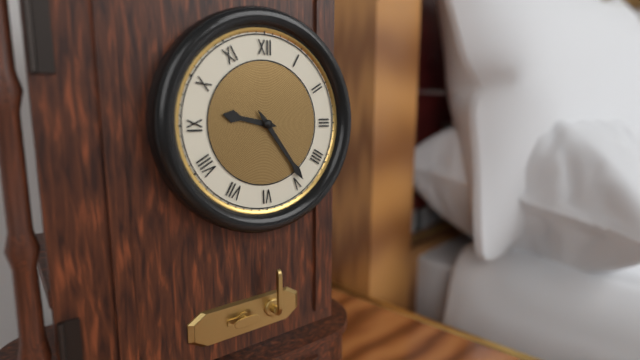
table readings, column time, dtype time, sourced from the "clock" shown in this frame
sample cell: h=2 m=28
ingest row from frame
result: h=9 m=24
